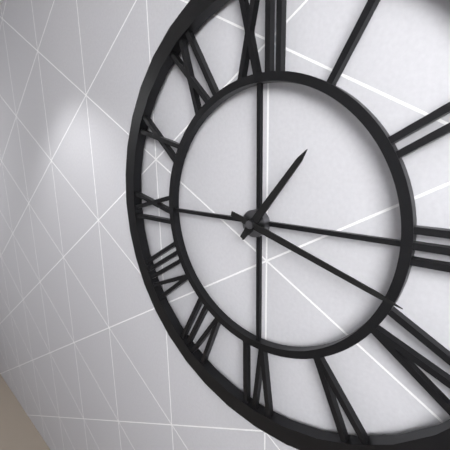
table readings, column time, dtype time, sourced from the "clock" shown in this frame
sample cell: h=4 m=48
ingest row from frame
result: h=1 m=18
